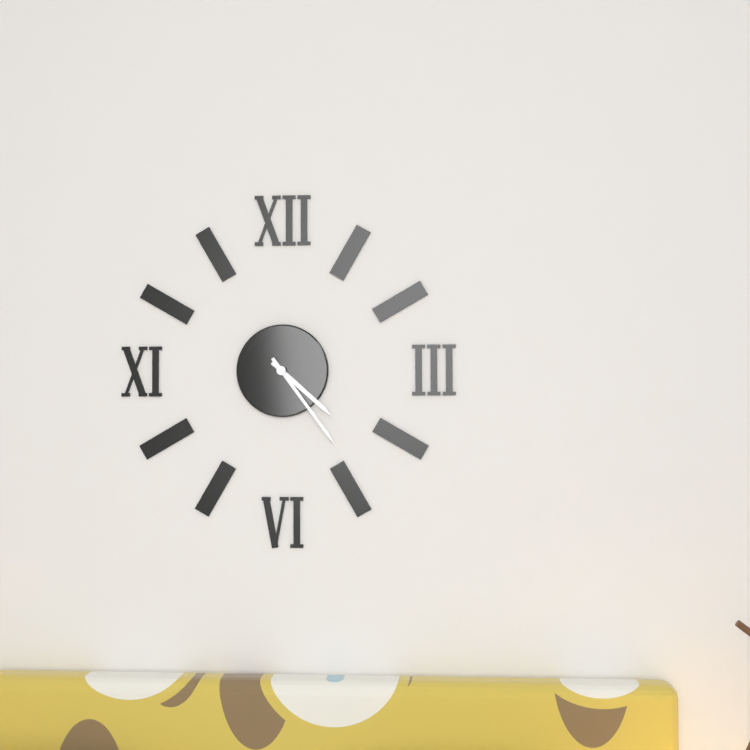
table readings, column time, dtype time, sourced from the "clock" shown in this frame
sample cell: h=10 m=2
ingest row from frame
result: h=4 m=24
